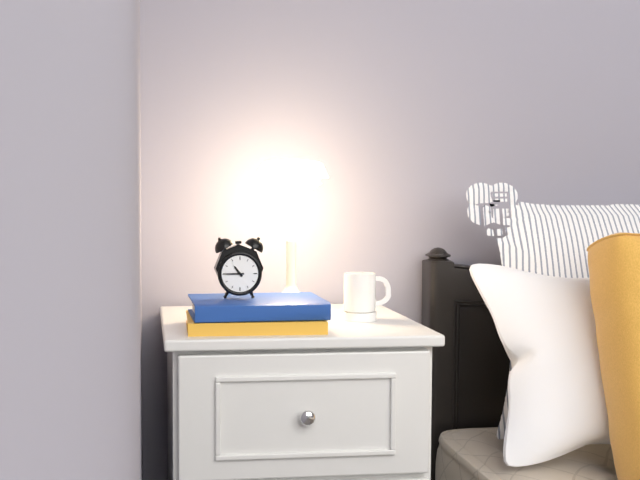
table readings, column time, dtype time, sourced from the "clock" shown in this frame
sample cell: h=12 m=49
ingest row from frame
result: h=10 m=45
